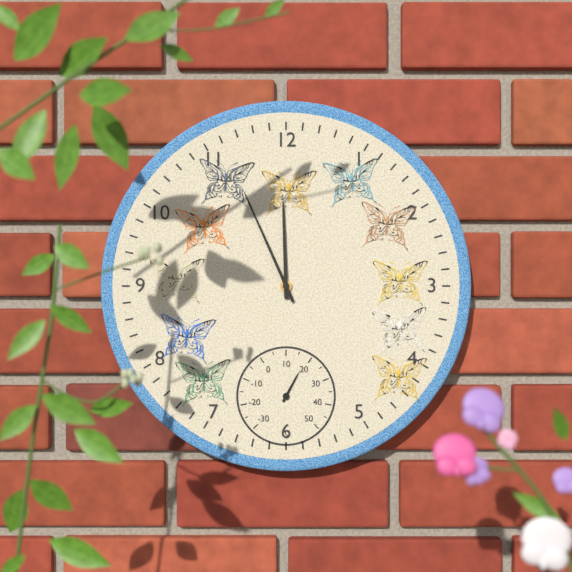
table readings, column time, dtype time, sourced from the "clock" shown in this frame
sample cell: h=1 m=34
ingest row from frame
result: h=11 m=56
